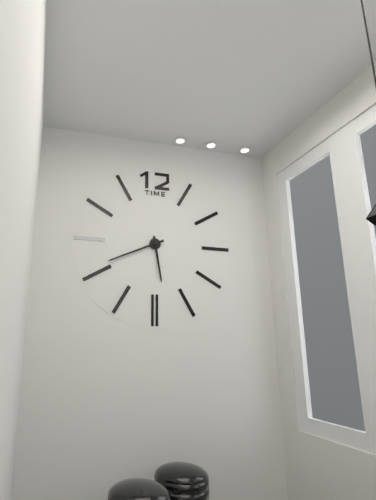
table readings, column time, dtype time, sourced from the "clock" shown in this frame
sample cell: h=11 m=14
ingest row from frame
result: h=5 m=41
